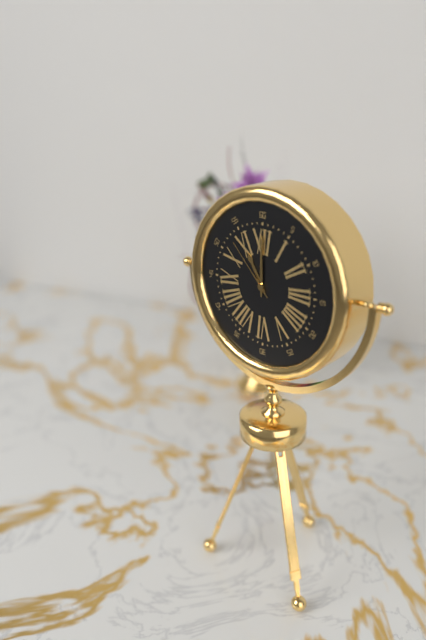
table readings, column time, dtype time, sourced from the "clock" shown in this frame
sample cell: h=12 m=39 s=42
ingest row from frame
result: h=11 m=0 s=53
